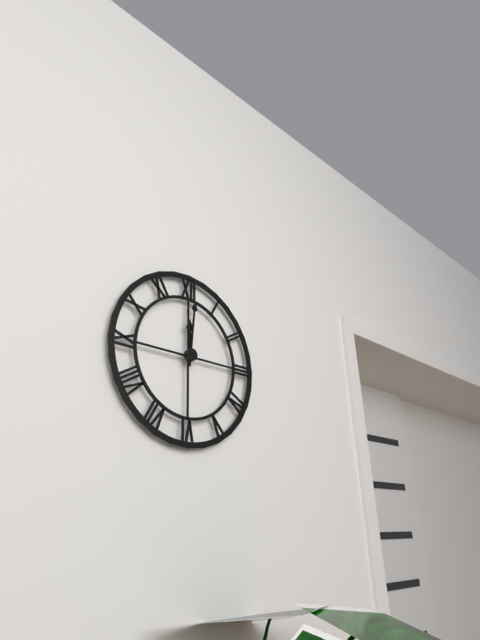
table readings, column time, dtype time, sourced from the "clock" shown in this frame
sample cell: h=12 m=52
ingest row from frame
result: h=12 m=1
